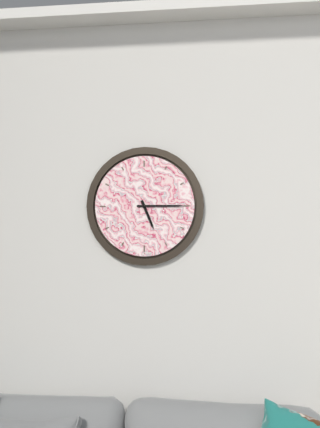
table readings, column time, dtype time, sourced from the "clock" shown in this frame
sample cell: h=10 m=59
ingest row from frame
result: h=5 m=15
